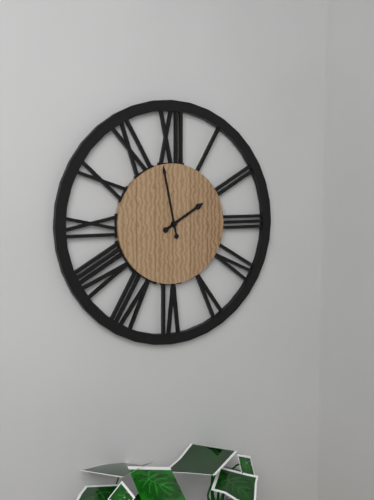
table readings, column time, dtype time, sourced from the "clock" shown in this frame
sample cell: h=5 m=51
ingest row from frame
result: h=1 m=58
